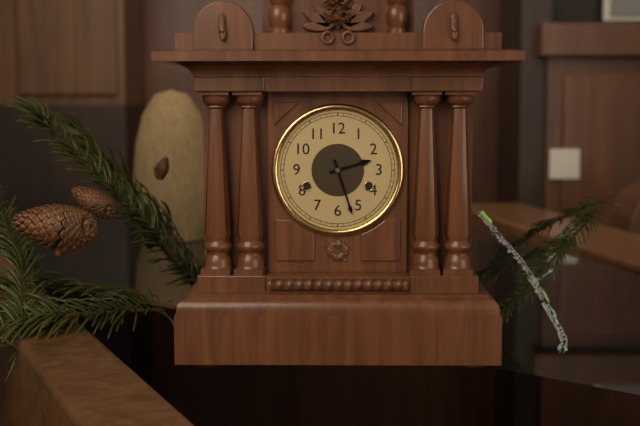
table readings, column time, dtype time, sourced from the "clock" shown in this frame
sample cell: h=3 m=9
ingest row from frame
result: h=2 m=27
